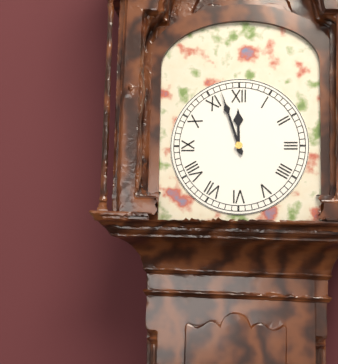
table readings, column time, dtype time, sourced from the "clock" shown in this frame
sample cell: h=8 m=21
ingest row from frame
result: h=11 m=57
